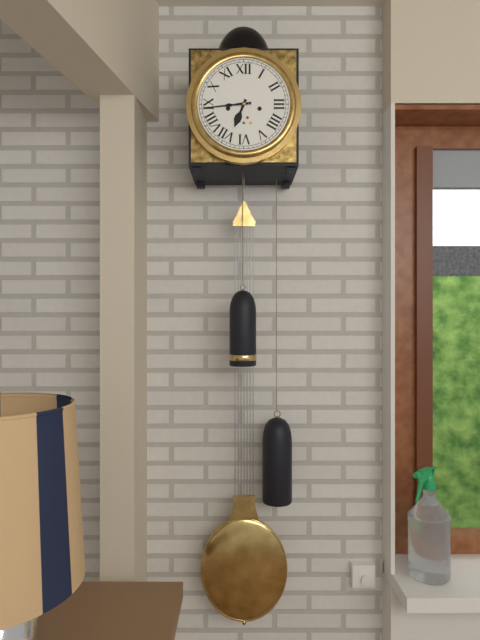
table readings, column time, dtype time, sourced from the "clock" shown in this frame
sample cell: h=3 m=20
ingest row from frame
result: h=6 m=44
